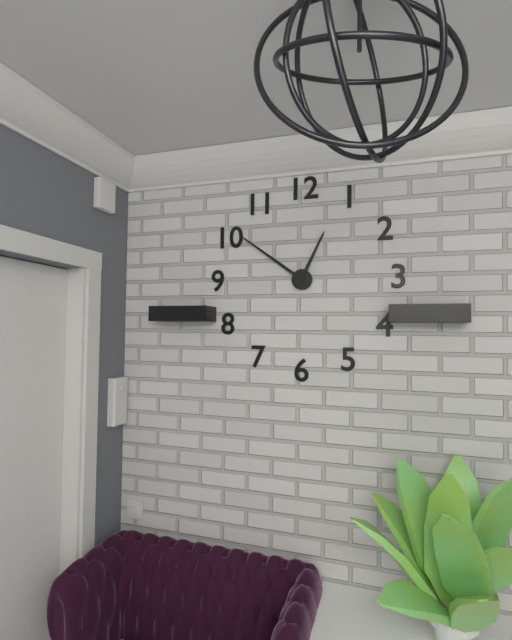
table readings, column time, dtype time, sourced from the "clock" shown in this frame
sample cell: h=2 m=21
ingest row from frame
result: h=12 m=51
